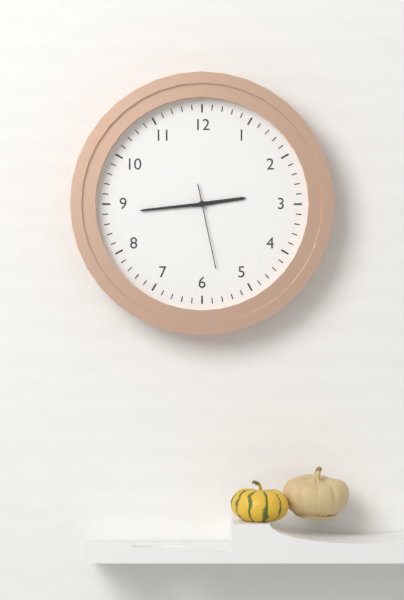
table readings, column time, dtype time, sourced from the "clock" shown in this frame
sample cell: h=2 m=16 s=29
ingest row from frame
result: h=2 m=44 s=28
